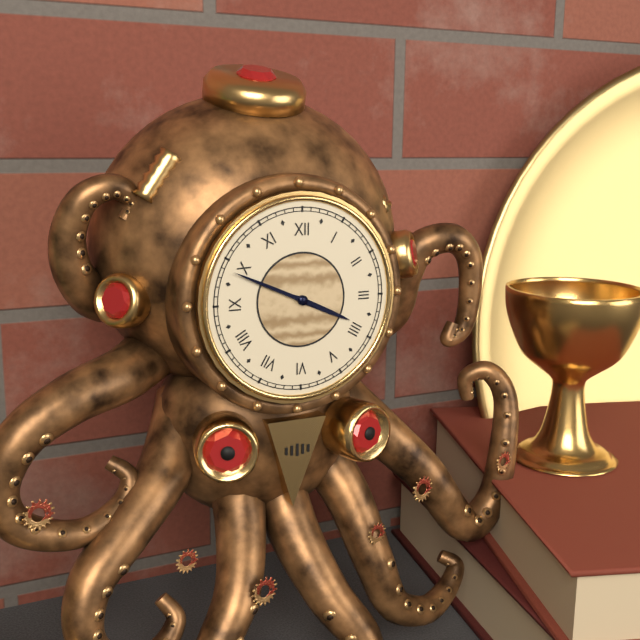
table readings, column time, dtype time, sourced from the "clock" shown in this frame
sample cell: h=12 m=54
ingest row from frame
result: h=3 m=49
